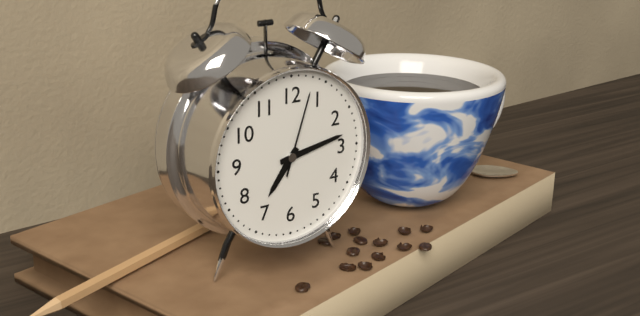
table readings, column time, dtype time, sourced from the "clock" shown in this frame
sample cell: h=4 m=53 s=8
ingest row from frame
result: h=7 m=13 s=3
